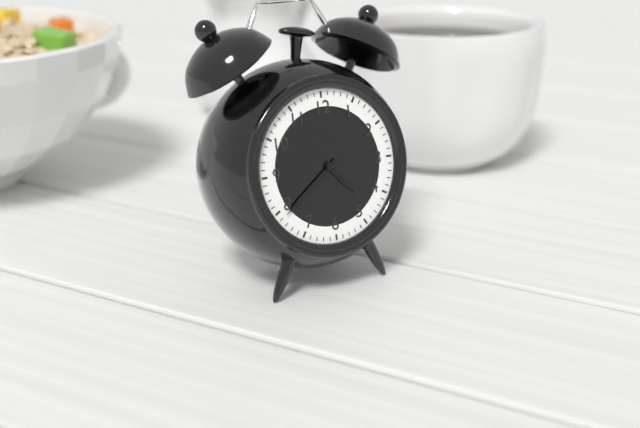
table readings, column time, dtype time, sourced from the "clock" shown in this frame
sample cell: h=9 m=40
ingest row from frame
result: h=4 m=39
